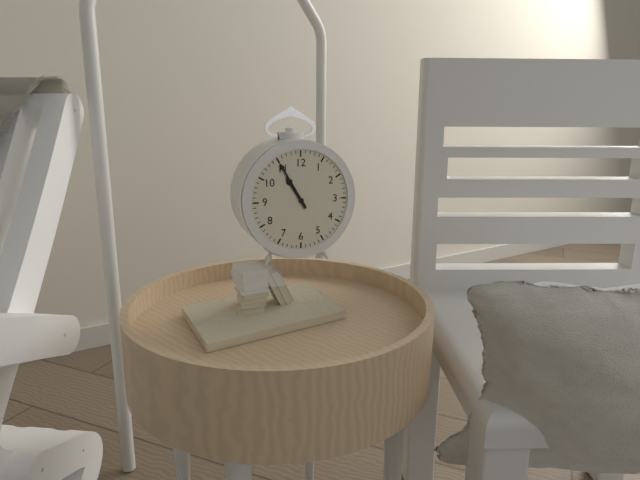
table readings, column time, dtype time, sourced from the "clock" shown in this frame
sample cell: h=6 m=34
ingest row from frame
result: h=10 m=55
